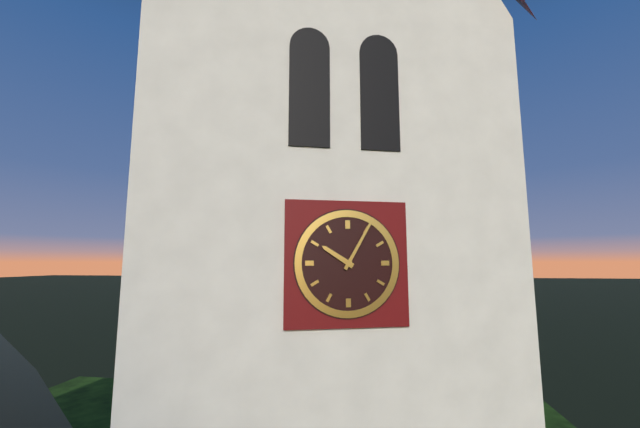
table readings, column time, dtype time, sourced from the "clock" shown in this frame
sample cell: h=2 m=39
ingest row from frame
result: h=10 m=5
